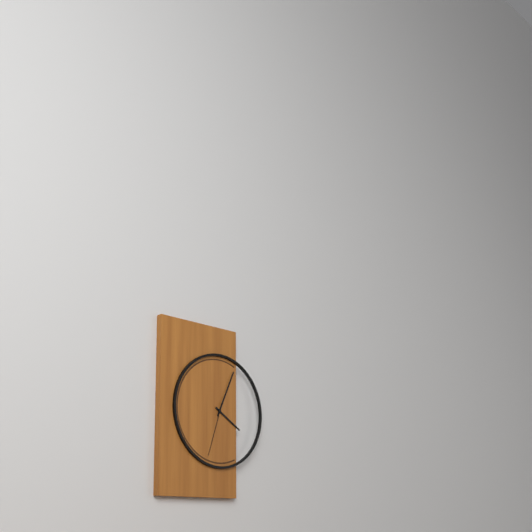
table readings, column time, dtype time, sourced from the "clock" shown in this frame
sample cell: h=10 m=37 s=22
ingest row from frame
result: h=4 m=4 s=33
